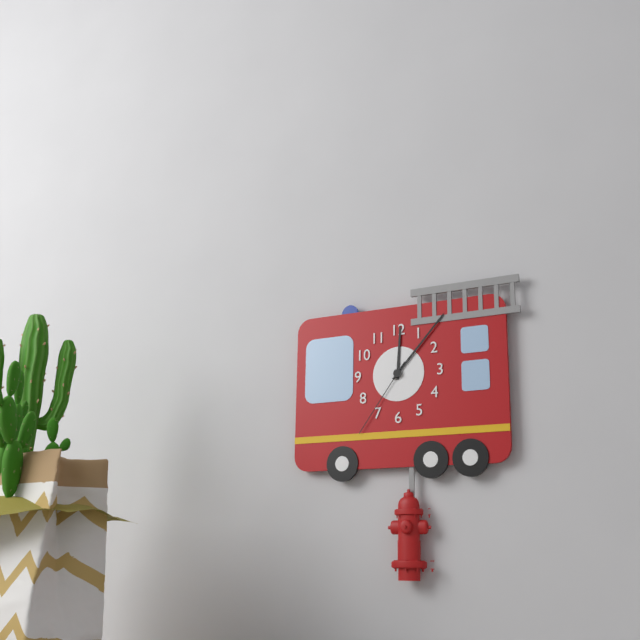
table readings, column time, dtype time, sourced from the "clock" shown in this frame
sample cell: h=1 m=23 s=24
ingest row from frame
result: h=12 m=7 s=36
